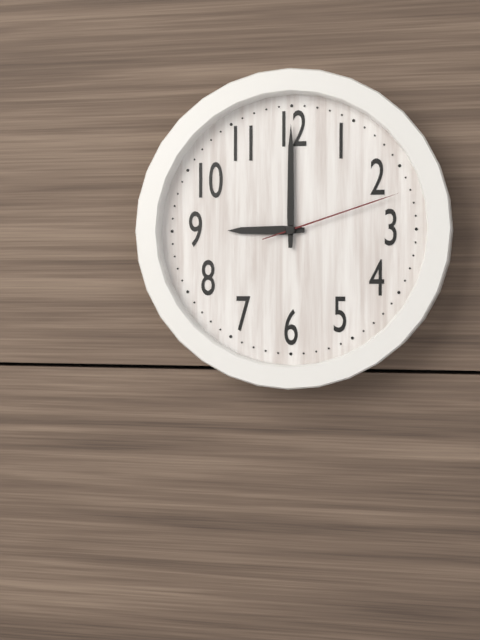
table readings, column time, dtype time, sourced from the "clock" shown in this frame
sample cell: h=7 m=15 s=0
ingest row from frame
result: h=9 m=0 s=12
